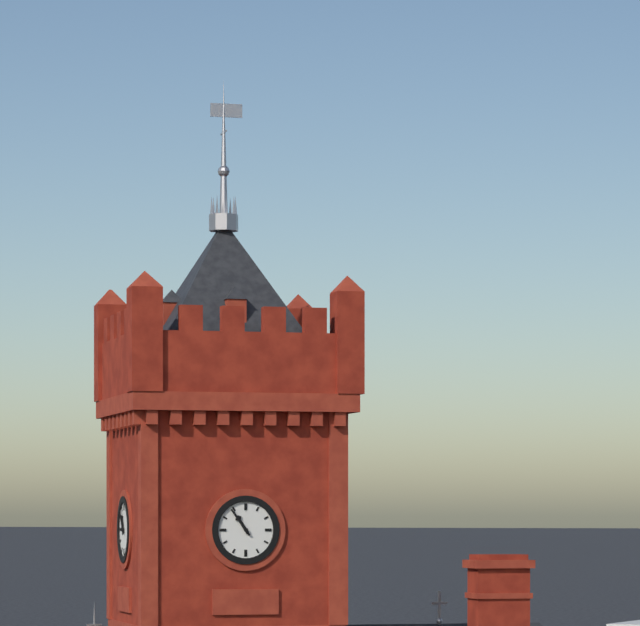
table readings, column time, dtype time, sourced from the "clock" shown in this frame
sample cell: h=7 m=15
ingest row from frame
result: h=10 m=54
